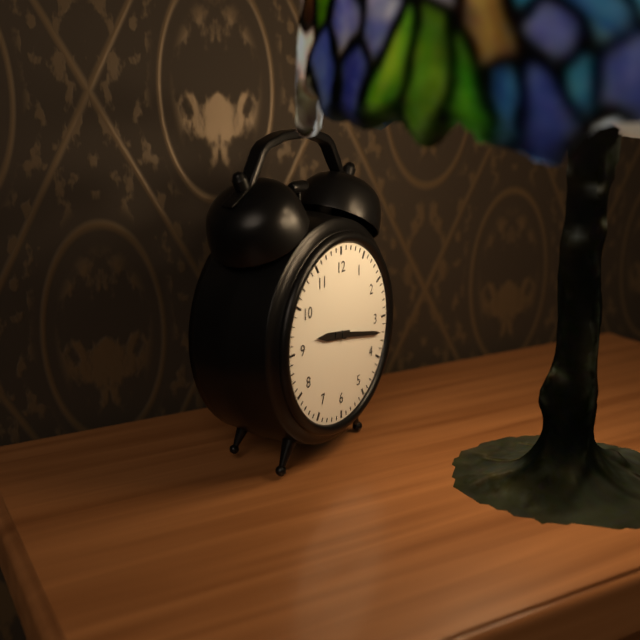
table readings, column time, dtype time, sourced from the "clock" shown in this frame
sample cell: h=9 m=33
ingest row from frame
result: h=9 m=17
